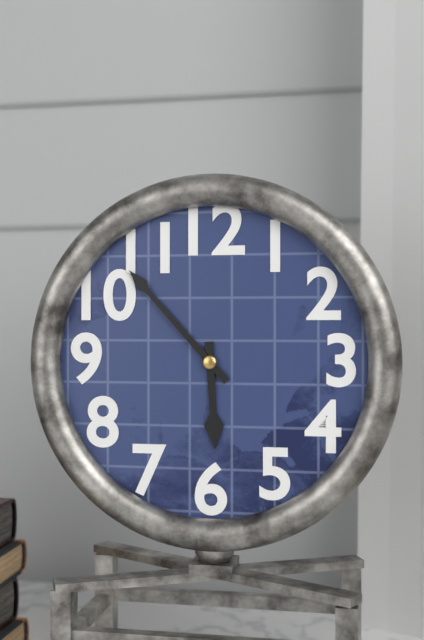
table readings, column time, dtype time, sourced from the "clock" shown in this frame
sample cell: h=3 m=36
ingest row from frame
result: h=5 m=53
